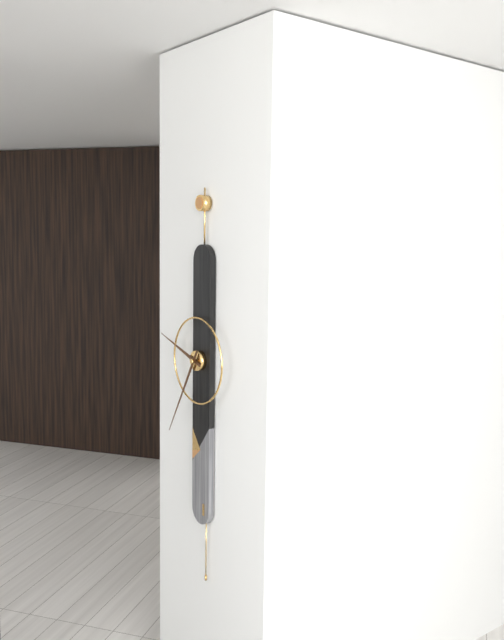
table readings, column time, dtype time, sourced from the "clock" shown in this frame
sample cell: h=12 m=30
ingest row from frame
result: h=9 m=35
